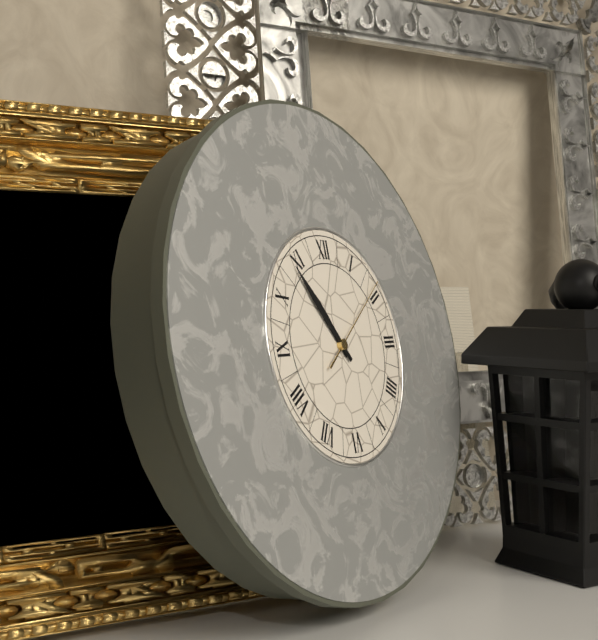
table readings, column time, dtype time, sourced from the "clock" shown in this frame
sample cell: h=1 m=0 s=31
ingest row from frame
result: h=10 m=54 s=9
